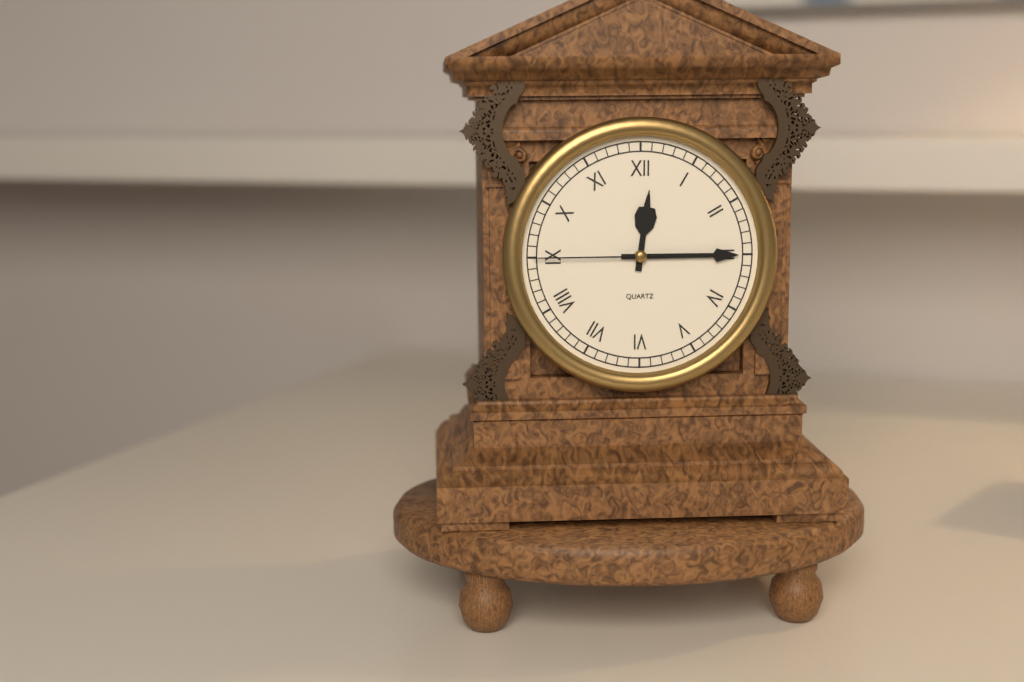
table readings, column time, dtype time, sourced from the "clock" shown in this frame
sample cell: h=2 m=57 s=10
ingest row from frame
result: h=12 m=15 s=45
